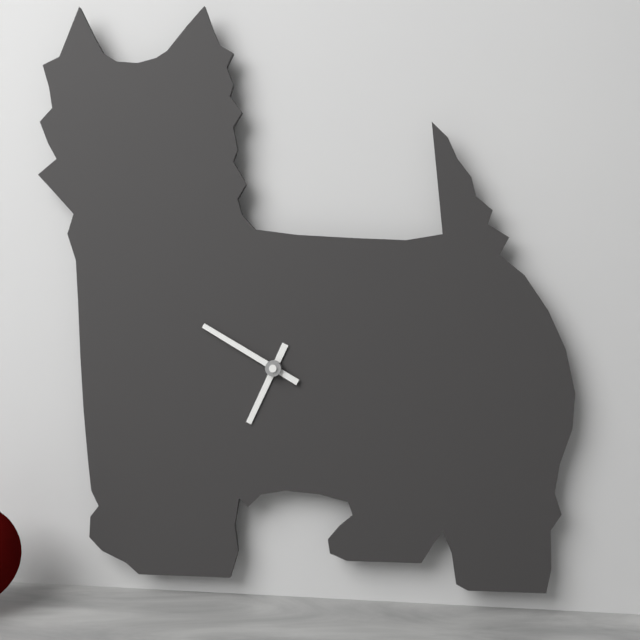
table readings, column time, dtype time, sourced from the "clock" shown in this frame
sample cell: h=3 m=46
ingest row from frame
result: h=6 m=50
